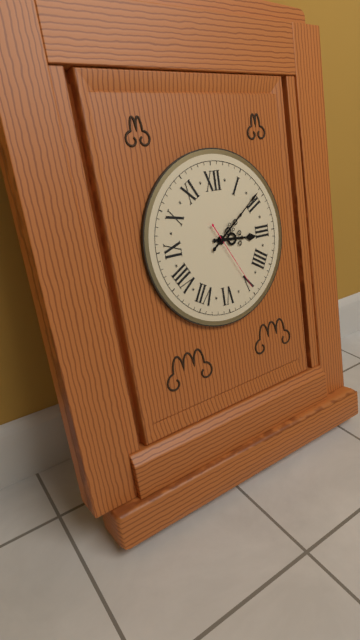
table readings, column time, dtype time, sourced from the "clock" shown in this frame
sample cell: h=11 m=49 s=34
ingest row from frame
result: h=3 m=9 s=25
